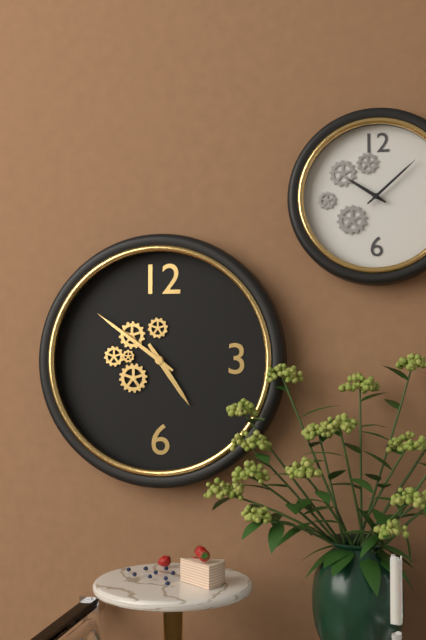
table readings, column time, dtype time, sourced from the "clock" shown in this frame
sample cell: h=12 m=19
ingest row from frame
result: h=4 m=51
